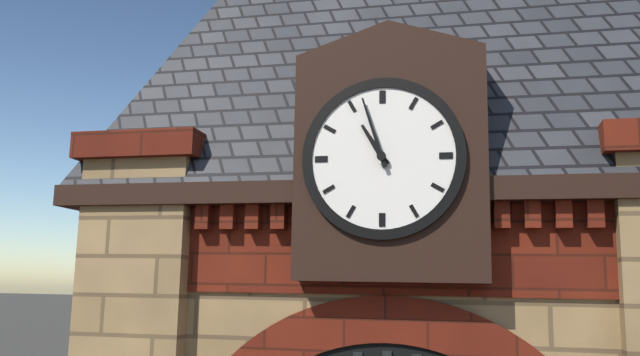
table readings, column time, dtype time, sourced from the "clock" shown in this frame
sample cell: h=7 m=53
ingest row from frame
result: h=10 m=57
